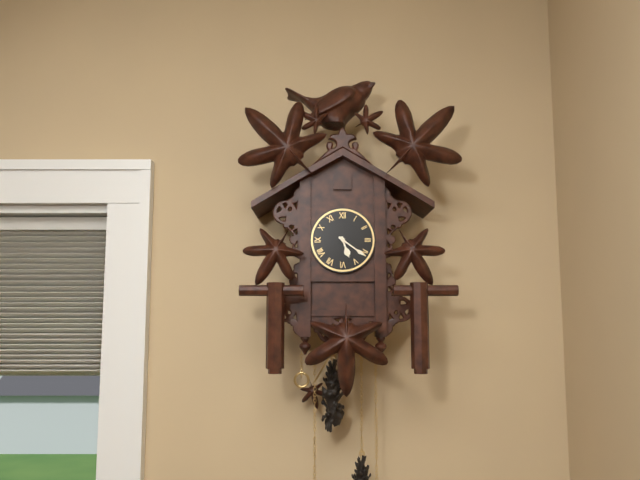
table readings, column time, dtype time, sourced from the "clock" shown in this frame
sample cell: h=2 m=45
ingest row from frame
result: h=5 m=21
